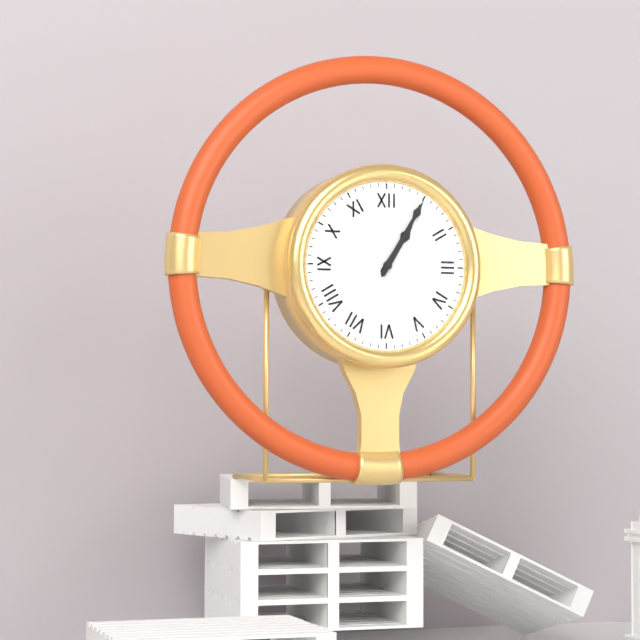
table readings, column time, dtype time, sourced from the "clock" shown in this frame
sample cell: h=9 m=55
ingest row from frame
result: h=1 m=5
